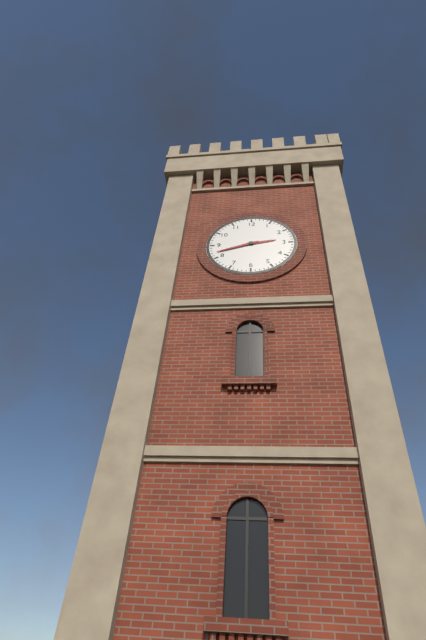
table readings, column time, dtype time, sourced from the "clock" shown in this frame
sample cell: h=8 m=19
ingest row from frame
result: h=2 m=42
